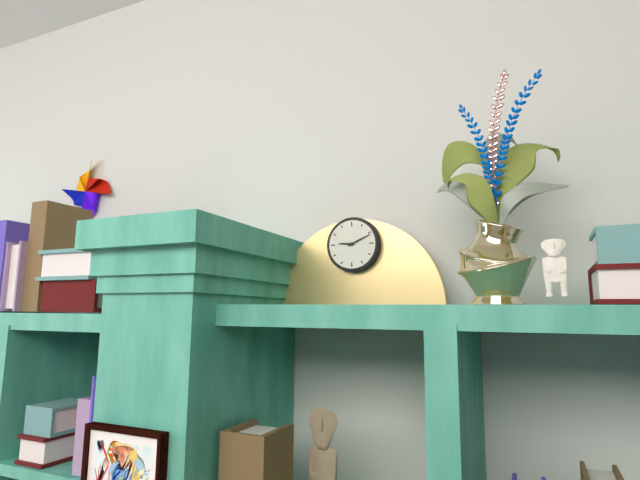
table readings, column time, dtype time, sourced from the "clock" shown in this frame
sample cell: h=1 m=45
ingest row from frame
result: h=9 m=11
